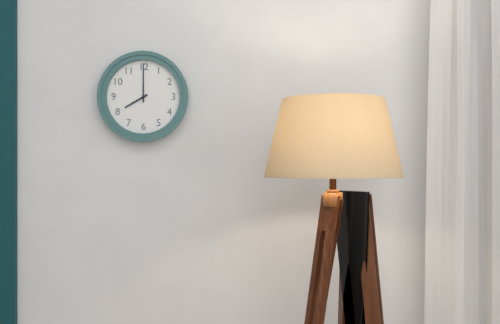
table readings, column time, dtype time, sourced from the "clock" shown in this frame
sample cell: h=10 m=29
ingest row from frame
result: h=8 m=0
